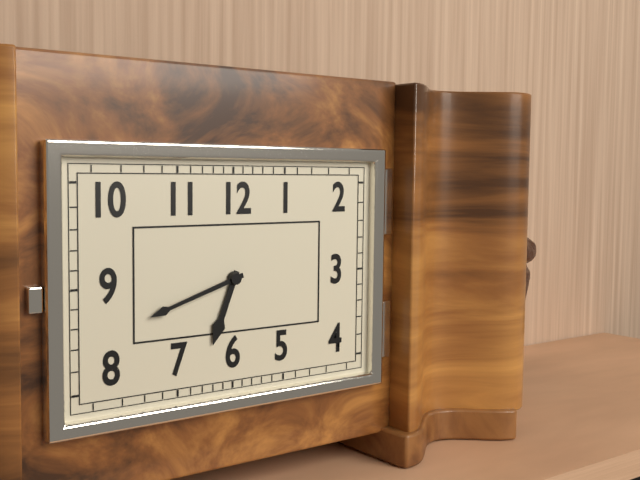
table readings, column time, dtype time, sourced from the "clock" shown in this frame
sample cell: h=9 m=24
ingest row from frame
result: h=6 m=42
